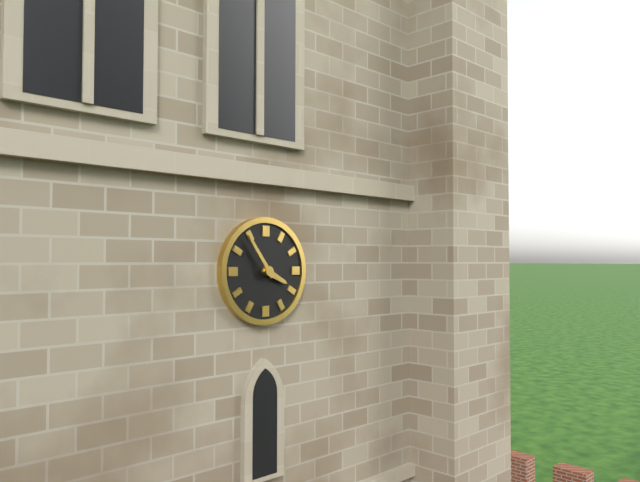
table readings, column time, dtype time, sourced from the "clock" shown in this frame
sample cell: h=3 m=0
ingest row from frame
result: h=3 m=54
